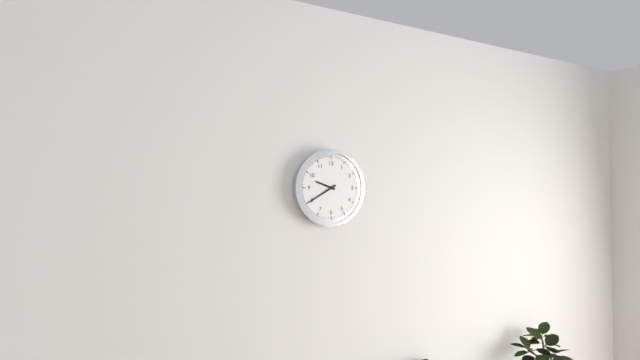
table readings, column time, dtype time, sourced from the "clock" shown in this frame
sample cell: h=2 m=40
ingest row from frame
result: h=9 m=40
